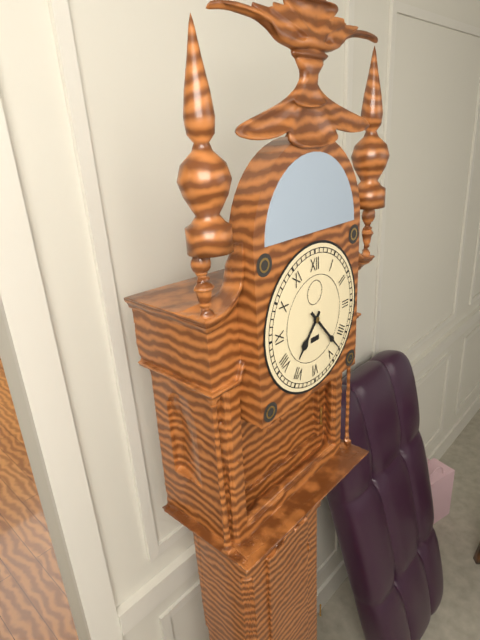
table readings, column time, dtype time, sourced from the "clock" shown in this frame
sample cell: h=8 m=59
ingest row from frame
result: h=7 m=23
